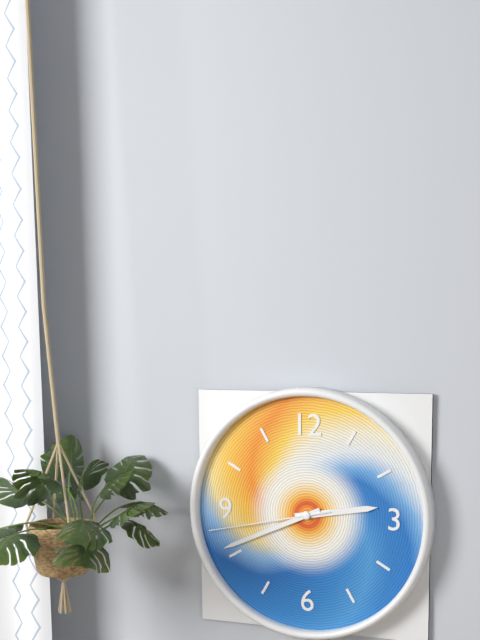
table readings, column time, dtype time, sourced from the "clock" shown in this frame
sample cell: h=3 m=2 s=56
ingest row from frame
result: h=2 m=41 s=43
